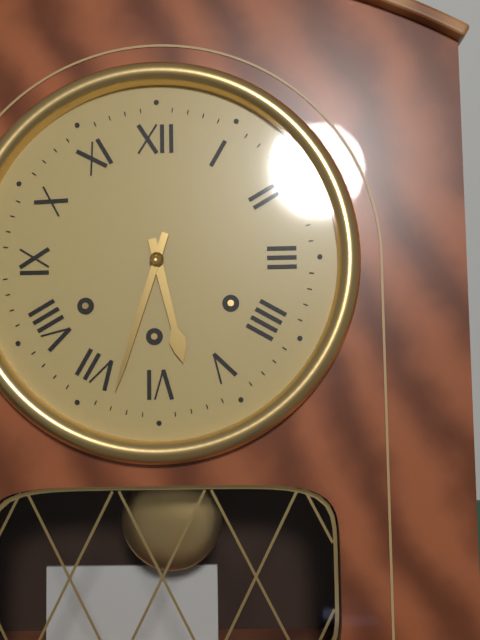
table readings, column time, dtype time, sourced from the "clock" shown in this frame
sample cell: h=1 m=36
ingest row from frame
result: h=5 m=33
